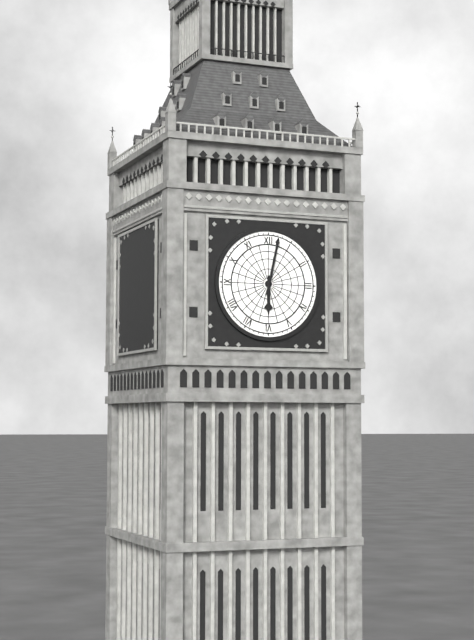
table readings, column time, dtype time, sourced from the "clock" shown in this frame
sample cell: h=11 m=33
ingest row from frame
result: h=6 m=2
